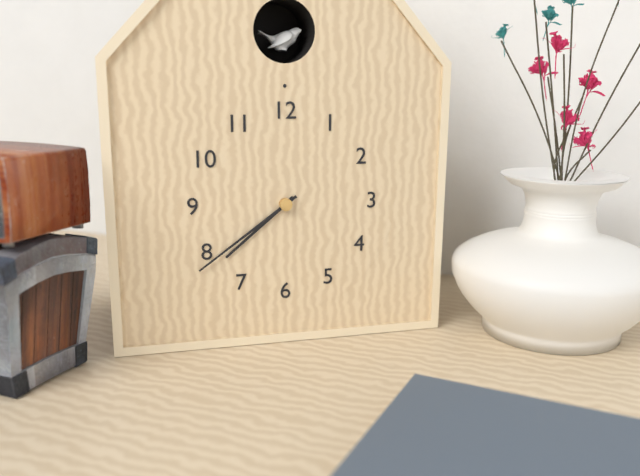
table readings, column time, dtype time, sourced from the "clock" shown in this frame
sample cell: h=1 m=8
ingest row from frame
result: h=7 m=39
